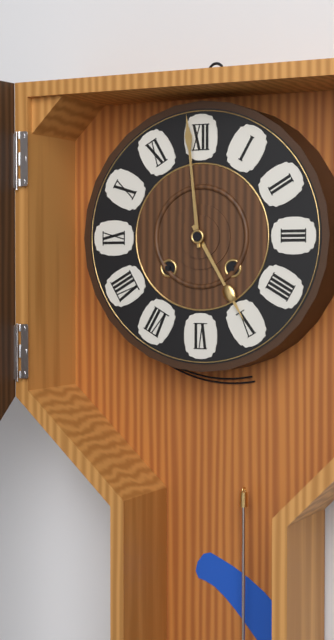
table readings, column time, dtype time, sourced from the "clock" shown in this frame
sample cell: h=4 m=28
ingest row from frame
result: h=4 m=59
